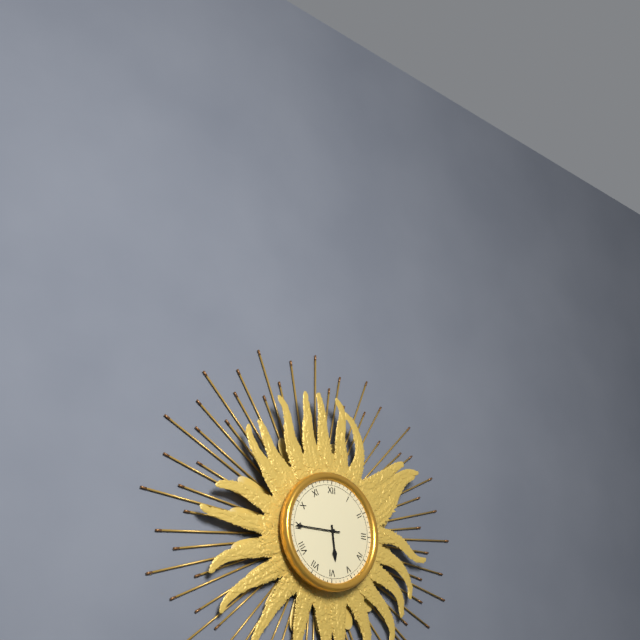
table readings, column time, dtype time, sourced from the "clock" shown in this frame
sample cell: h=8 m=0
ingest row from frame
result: h=5 m=45
